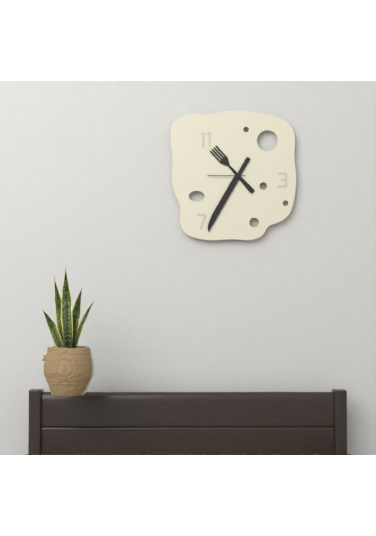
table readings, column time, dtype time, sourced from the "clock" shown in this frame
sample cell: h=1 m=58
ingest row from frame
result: h=10 m=35
